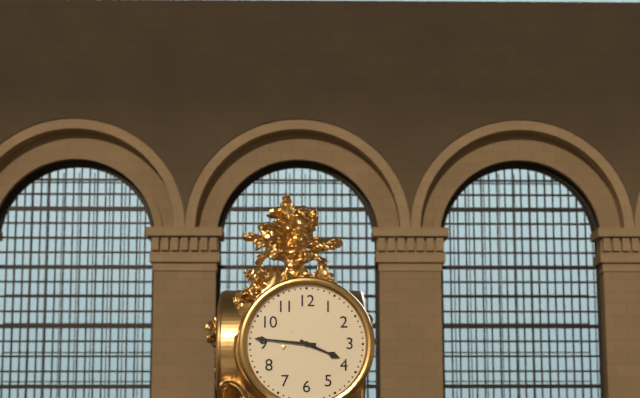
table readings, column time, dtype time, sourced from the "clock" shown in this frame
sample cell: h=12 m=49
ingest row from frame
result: h=3 m=46
